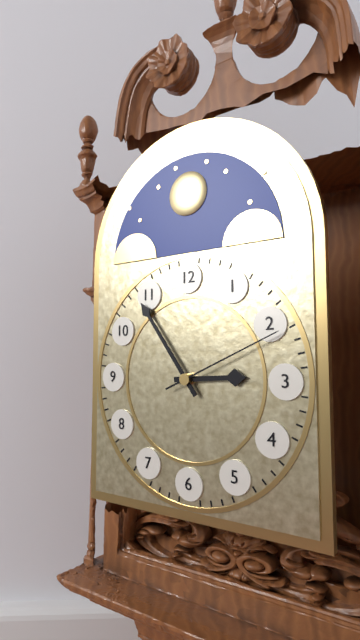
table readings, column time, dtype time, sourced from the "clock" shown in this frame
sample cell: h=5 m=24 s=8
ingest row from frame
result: h=2 m=54 s=11
